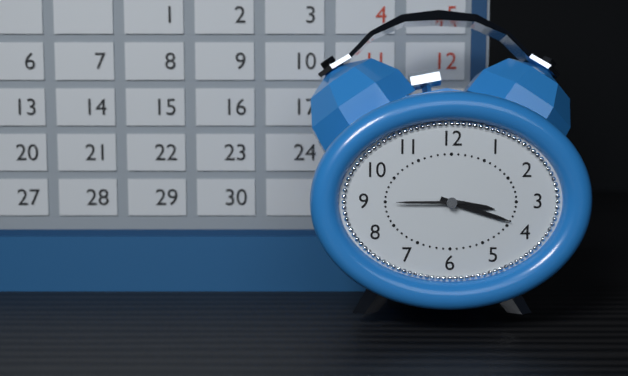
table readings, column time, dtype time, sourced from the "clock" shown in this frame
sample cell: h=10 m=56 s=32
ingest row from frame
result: h=3 m=18 s=45
